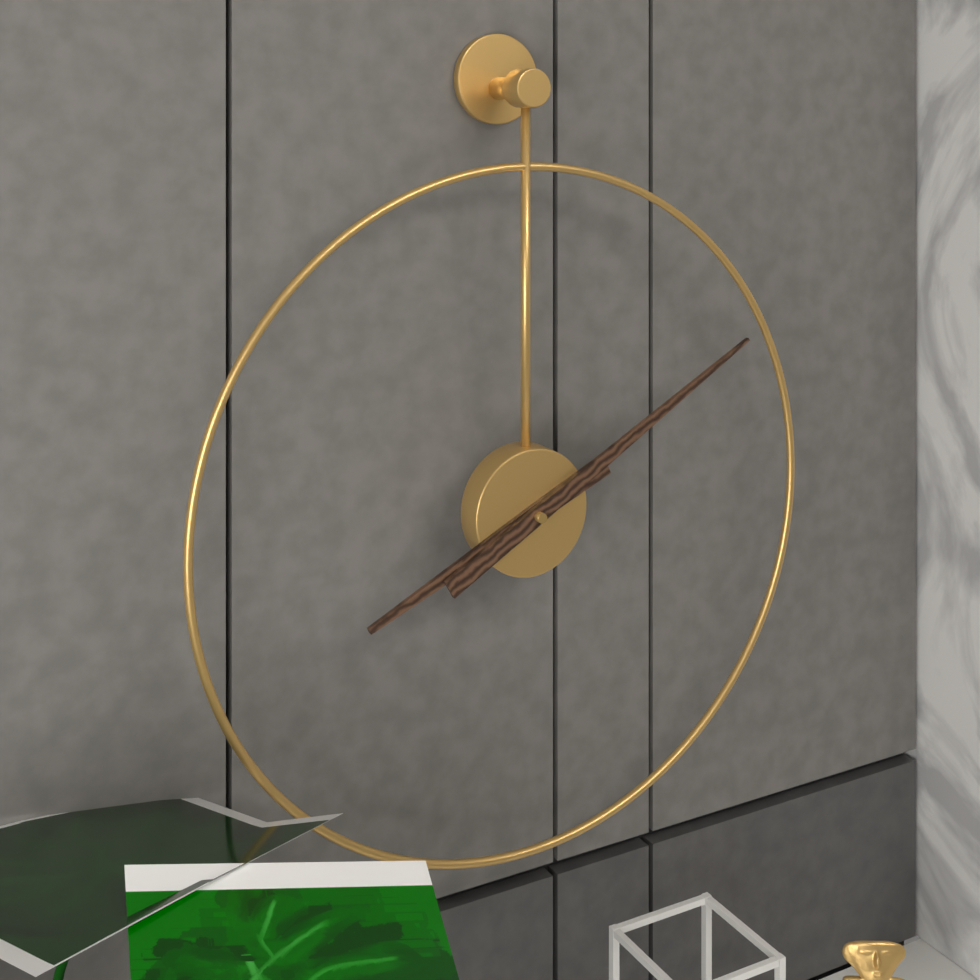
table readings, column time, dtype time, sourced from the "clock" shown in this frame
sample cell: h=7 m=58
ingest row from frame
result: h=8 m=10
